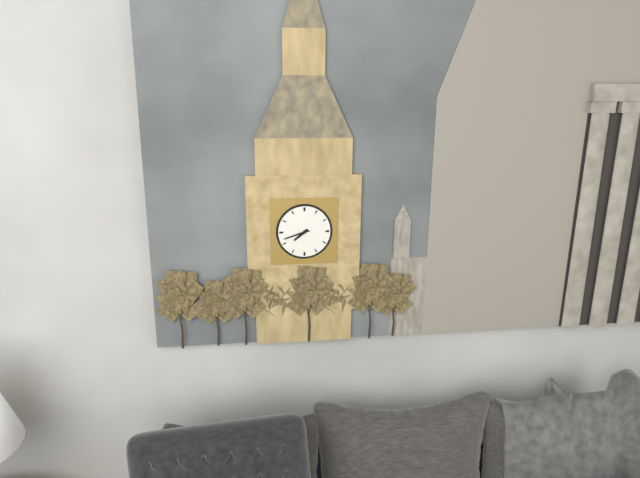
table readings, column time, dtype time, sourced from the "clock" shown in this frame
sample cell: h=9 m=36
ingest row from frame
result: h=7 m=42
